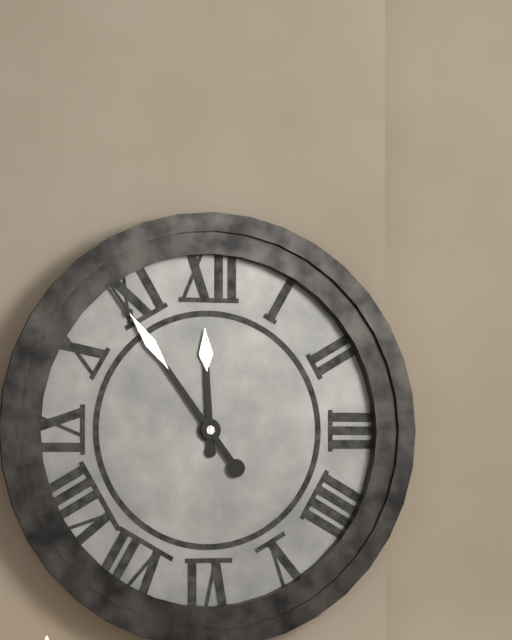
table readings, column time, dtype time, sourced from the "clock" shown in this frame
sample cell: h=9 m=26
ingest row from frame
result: h=11 m=54
